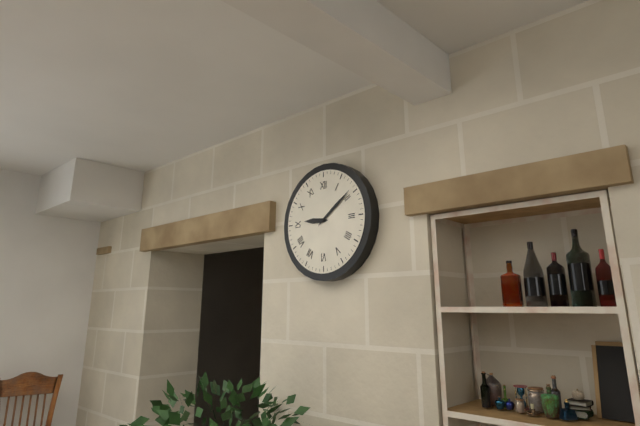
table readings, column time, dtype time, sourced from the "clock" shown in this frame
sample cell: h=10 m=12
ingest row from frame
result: h=9 m=9
